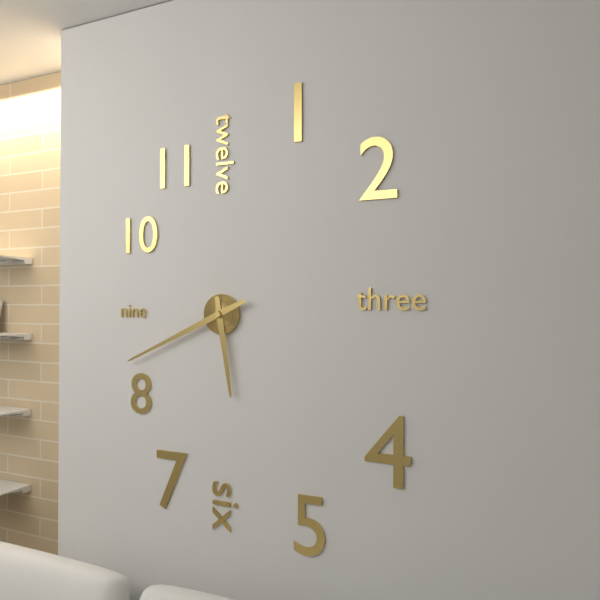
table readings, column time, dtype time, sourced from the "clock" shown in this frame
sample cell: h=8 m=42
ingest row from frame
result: h=5 m=41
